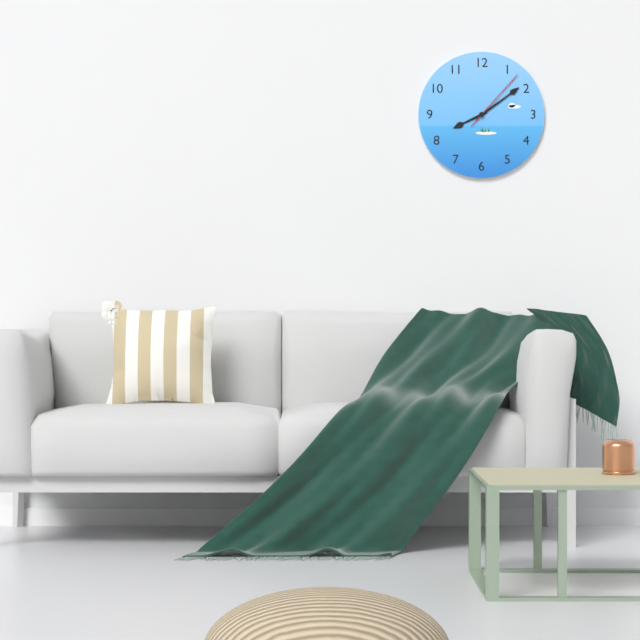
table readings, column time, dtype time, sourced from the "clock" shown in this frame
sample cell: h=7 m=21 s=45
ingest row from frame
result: h=8 m=9 s=7
